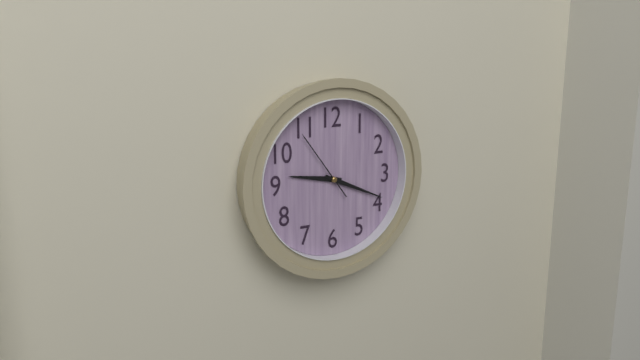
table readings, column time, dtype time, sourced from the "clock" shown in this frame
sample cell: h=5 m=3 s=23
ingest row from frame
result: h=9 m=19 s=54
